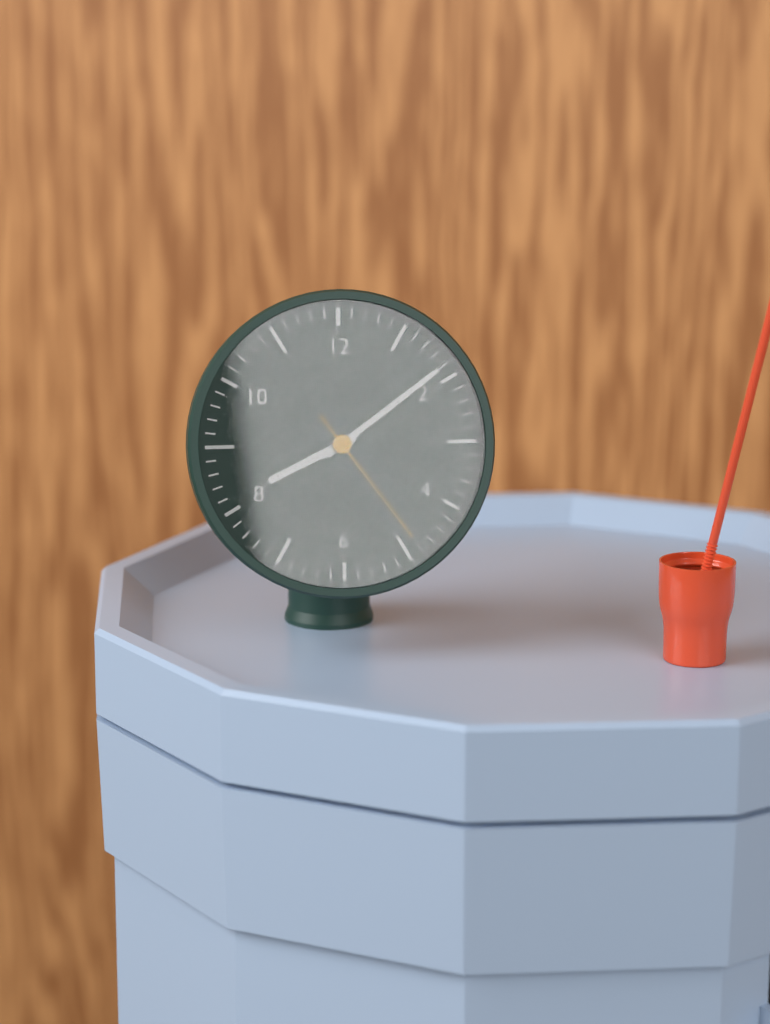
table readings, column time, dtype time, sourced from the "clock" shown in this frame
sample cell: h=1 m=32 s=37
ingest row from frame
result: h=8 m=9 s=24
